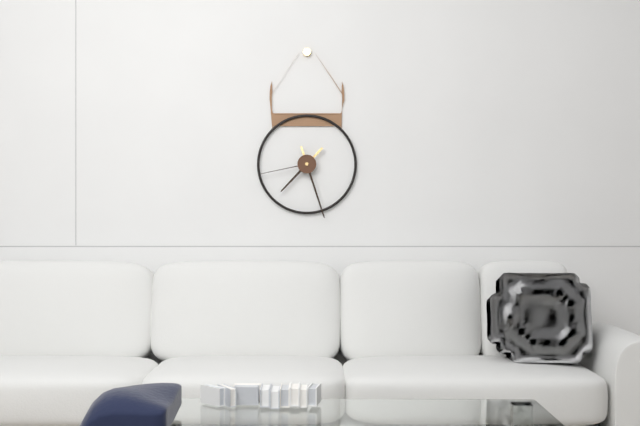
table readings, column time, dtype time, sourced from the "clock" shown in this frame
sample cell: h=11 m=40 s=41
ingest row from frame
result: h=7 m=27 s=43
